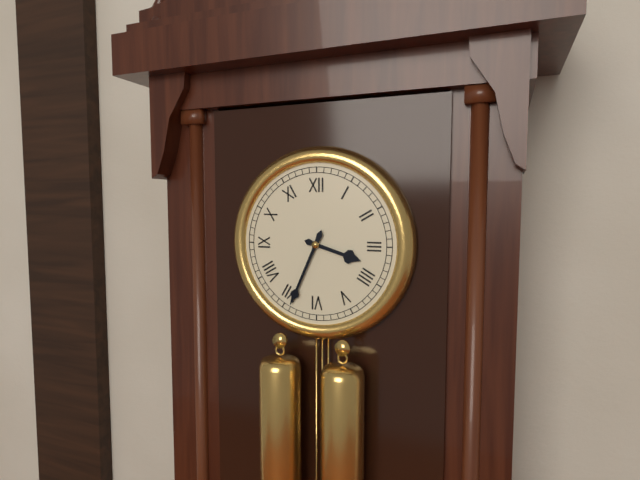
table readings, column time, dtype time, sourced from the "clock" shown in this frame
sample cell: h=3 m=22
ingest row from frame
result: h=3 m=34
